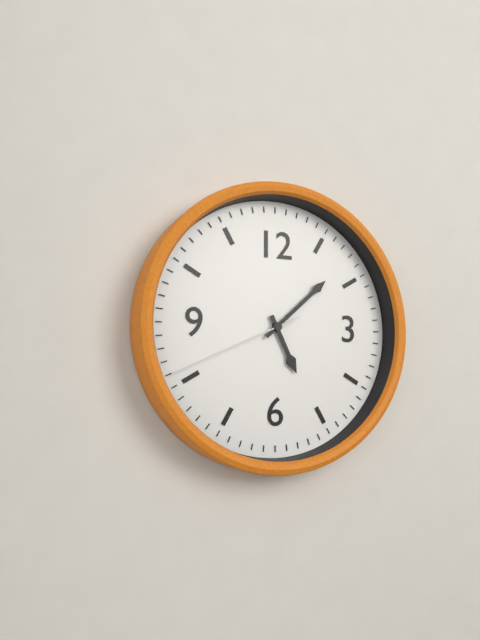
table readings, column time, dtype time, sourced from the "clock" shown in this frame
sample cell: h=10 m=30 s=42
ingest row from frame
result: h=5 m=8 s=41
